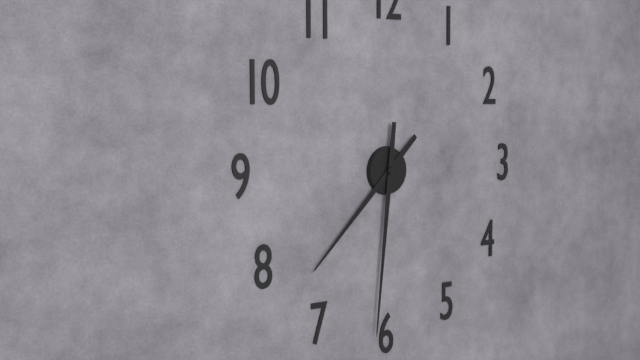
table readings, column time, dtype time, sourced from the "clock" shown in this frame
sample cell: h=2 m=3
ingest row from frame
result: h=7 m=31
